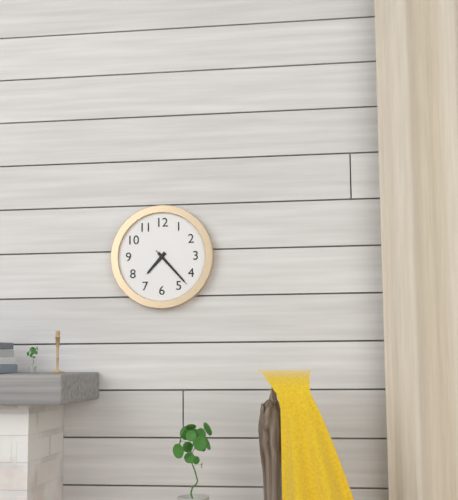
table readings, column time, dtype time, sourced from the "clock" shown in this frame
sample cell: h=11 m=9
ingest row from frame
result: h=7 m=23
